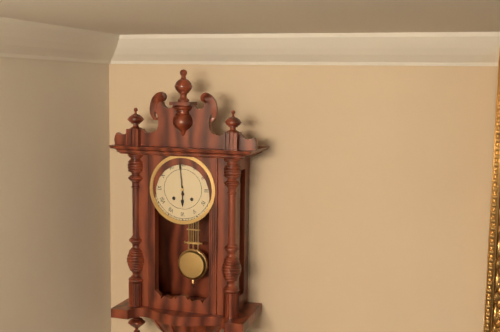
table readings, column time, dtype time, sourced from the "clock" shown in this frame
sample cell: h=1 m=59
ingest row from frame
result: h=5 m=59
